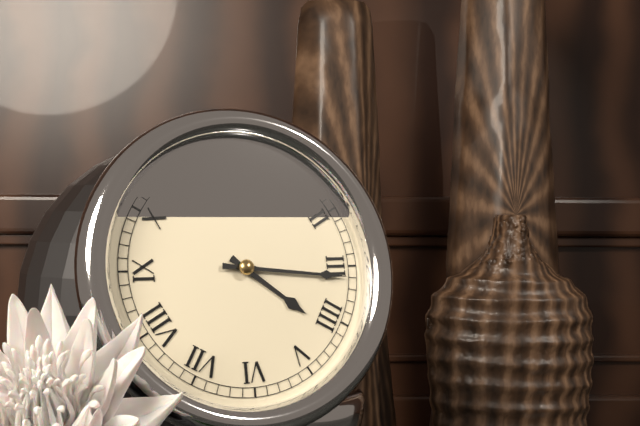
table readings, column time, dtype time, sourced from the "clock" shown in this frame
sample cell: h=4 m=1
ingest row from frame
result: h=4 m=16
